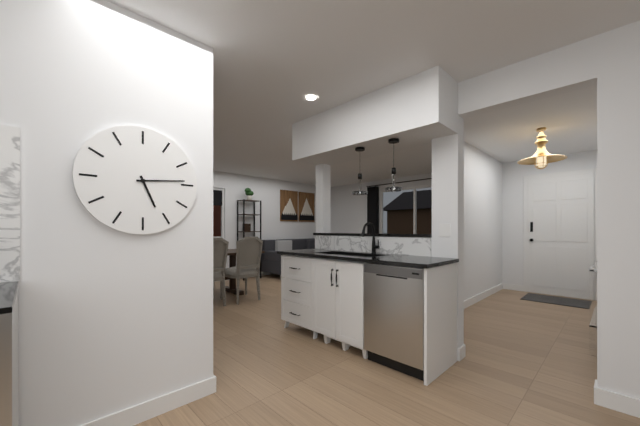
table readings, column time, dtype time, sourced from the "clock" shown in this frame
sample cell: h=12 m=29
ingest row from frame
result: h=5 m=14
